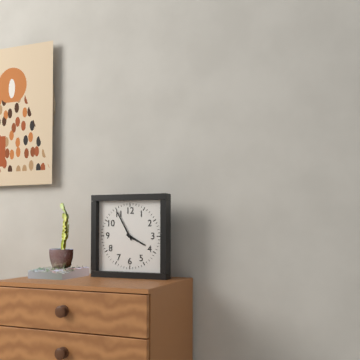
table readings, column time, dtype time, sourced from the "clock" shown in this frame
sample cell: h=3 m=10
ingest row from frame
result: h=3 m=55
